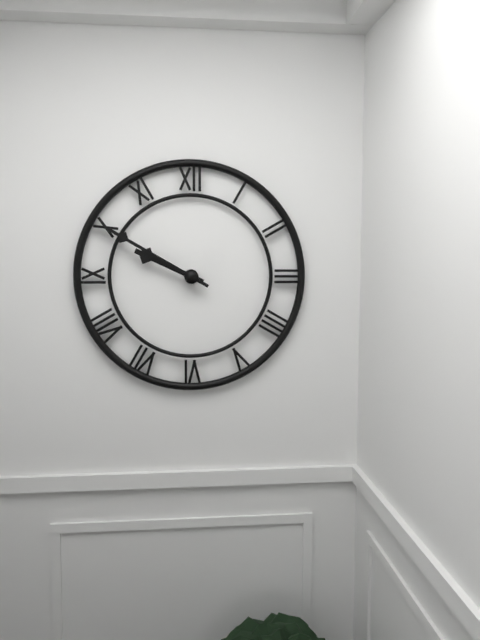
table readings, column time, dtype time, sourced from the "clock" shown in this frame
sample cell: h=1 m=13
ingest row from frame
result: h=9 m=50
